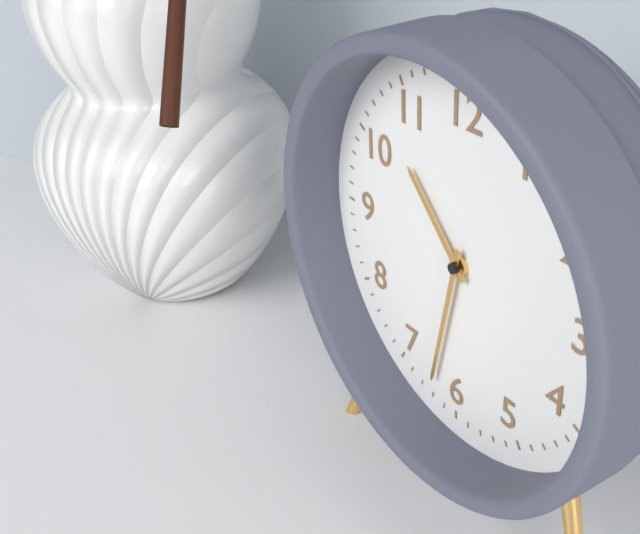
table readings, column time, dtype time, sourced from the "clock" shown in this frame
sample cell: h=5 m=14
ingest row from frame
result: h=10 m=32
